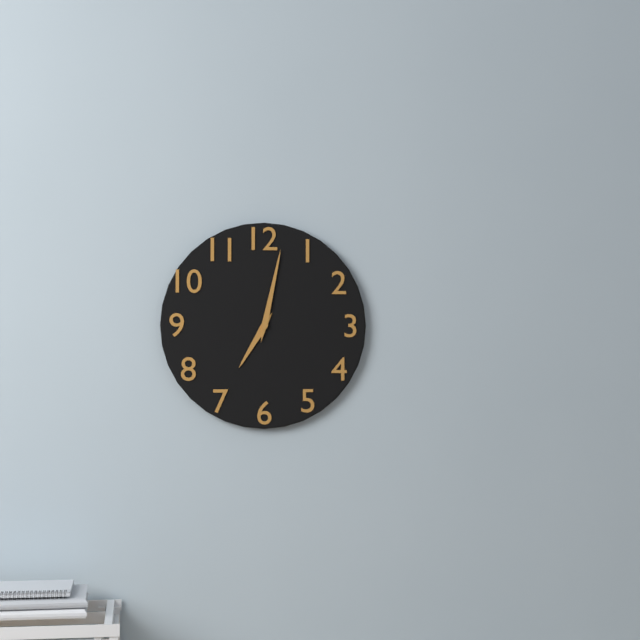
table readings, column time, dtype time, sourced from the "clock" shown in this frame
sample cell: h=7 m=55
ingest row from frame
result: h=7 m=2
